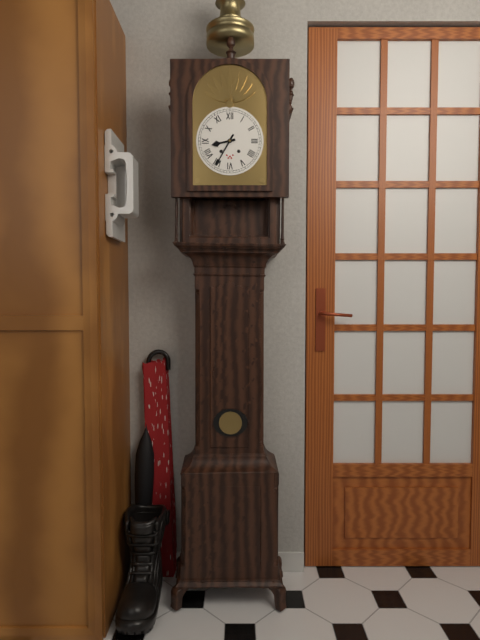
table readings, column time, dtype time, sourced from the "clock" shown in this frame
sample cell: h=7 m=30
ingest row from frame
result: h=8 m=35
